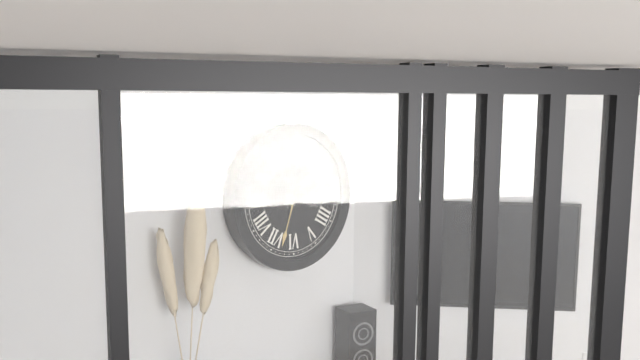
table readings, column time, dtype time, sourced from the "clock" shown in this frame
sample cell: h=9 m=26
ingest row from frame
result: h=1 m=33
